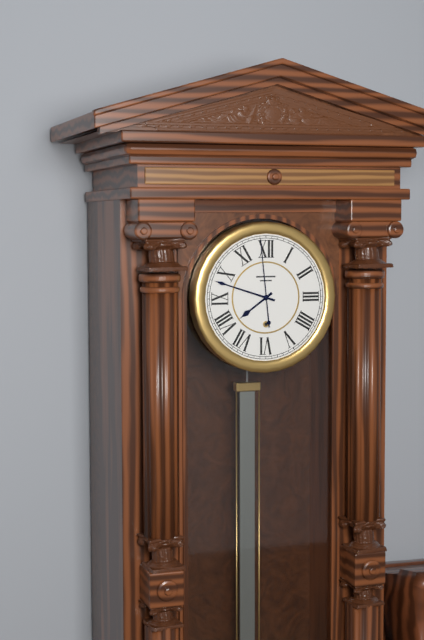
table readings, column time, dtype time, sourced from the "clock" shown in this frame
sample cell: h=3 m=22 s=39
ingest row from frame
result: h=7 m=48 s=59
